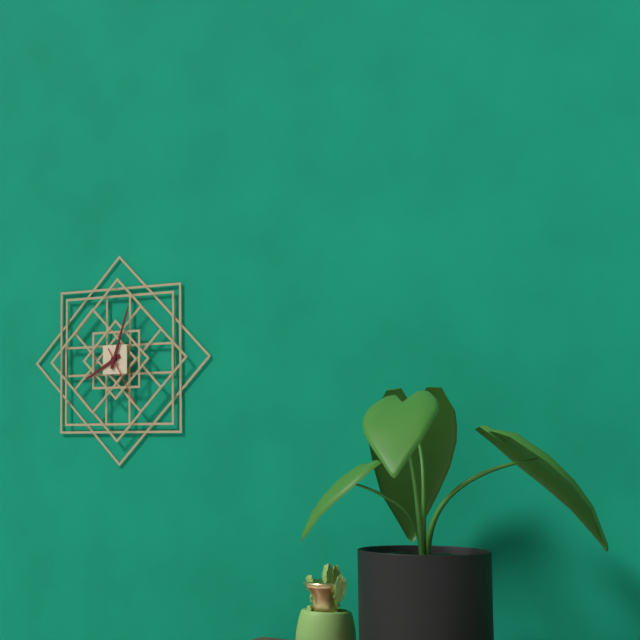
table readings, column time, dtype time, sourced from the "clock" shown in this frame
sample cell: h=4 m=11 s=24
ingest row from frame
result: h=8 m=3 s=25
